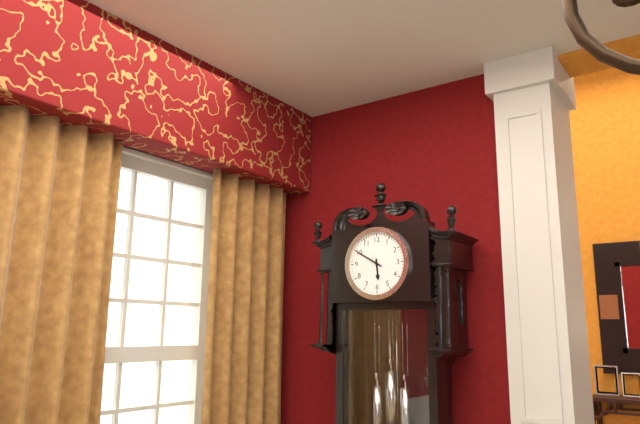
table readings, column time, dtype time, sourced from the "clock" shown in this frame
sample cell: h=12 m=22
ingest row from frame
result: h=5 m=50
